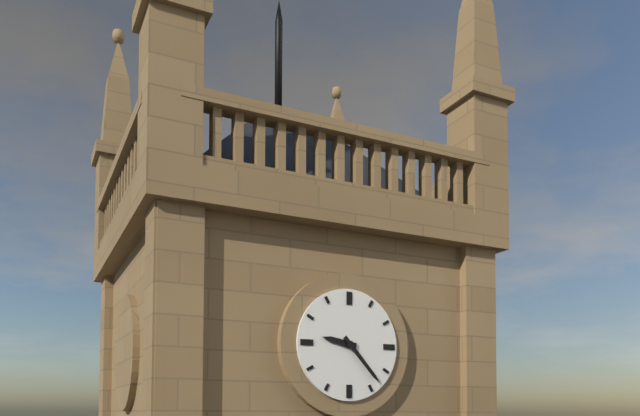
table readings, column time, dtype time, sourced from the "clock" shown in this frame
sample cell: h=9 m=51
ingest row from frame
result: h=9 m=23
